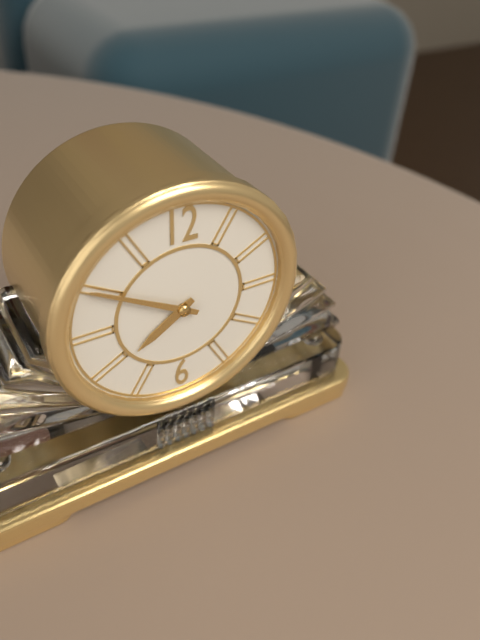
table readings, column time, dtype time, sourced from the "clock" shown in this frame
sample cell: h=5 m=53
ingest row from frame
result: h=7 m=50
